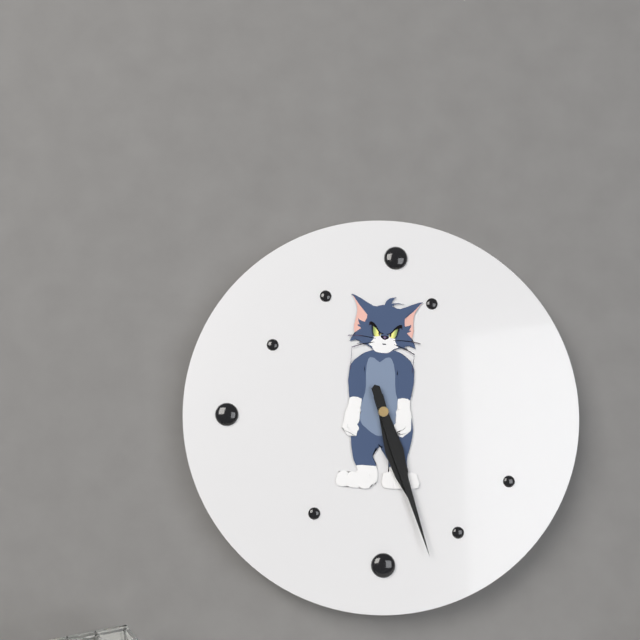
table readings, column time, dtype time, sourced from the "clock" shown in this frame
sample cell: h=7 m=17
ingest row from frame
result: h=5 m=27
